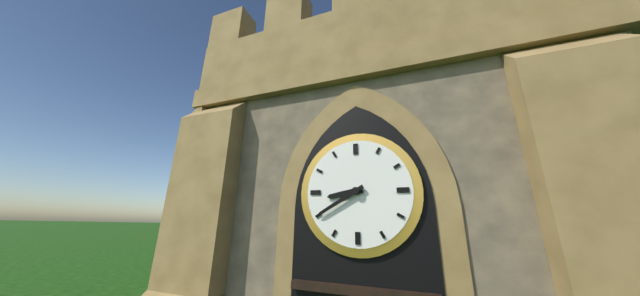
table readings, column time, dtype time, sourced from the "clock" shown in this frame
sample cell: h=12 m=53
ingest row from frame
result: h=8 m=40
